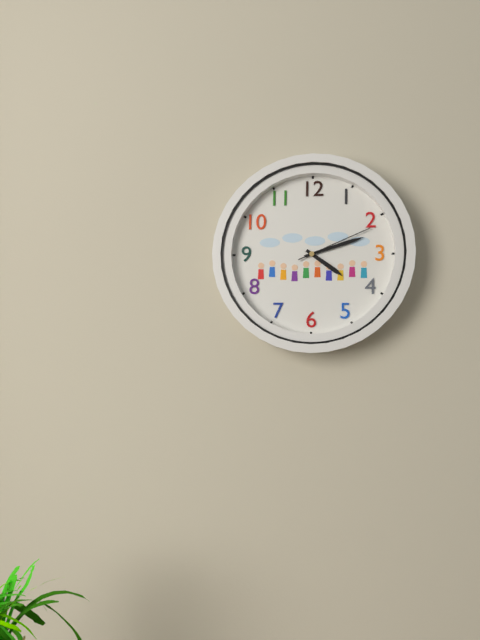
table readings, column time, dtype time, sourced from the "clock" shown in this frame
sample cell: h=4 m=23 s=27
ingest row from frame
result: h=4 m=12 s=11
